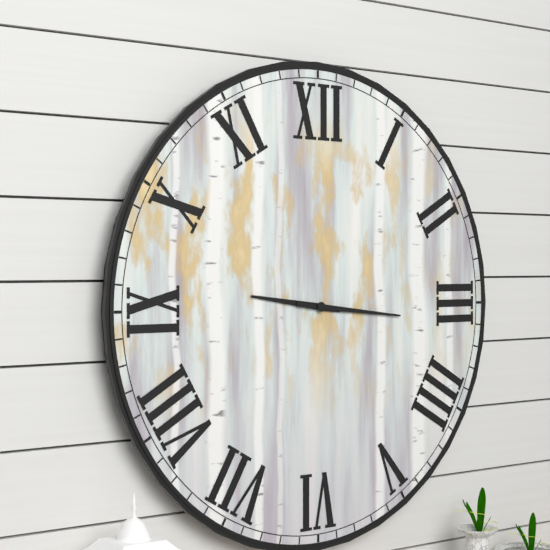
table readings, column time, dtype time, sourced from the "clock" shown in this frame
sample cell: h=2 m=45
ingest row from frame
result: h=9 m=16
